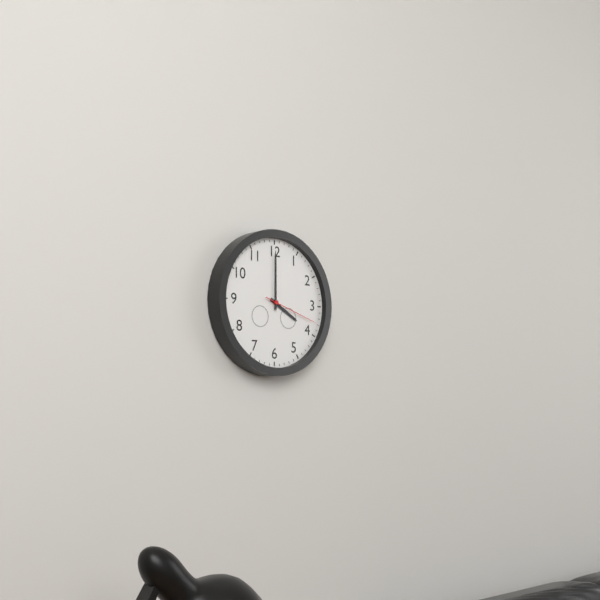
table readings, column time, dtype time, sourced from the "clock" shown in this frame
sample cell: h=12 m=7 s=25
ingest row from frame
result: h=4 m=0 s=18
